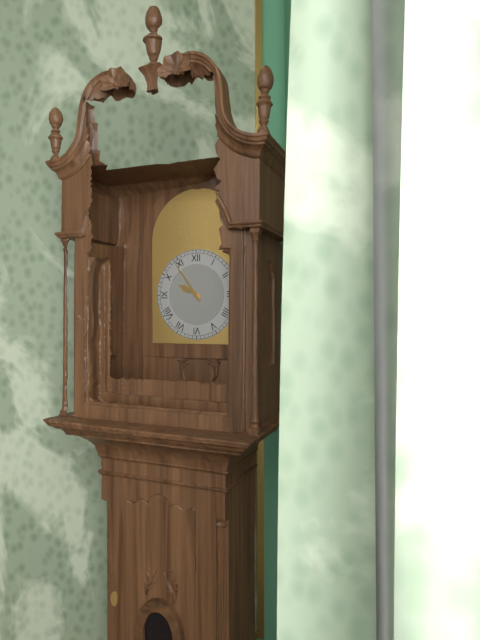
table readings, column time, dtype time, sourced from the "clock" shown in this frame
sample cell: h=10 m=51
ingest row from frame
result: h=9 m=54
